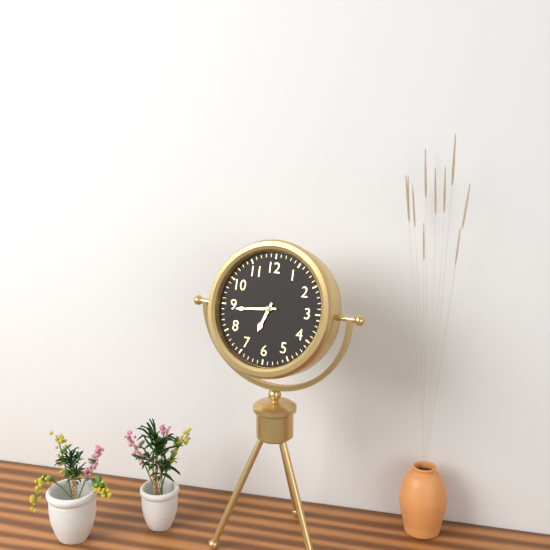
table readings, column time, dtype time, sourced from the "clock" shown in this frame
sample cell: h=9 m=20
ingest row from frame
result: h=6 m=44
